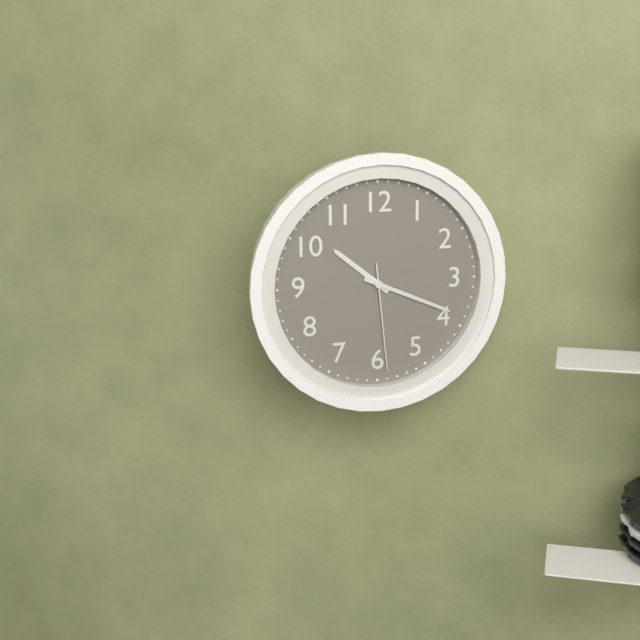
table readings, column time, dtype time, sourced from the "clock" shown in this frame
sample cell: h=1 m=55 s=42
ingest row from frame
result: h=10 m=19 s=29
